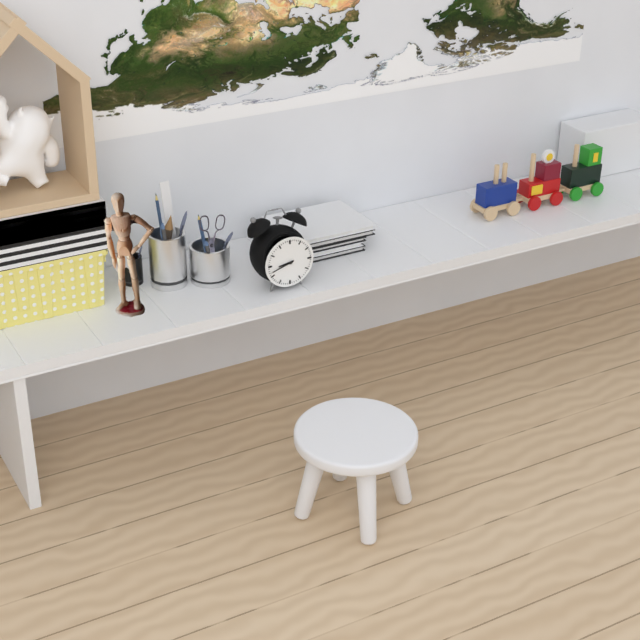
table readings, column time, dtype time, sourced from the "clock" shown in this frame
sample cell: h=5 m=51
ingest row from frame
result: h=8 m=42
